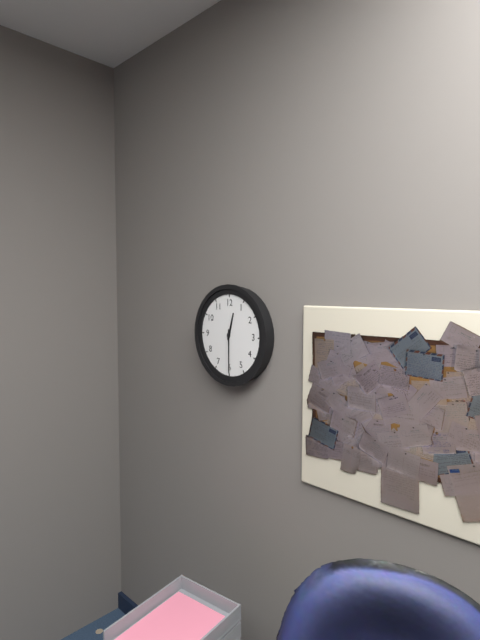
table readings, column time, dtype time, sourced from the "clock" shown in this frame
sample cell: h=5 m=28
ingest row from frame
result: h=12 m=30
